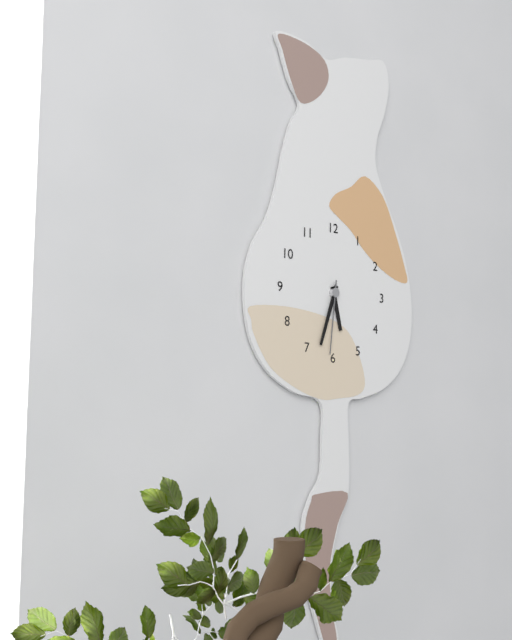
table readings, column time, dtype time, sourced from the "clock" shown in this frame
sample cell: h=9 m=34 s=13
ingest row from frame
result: h=5 m=33 s=31
